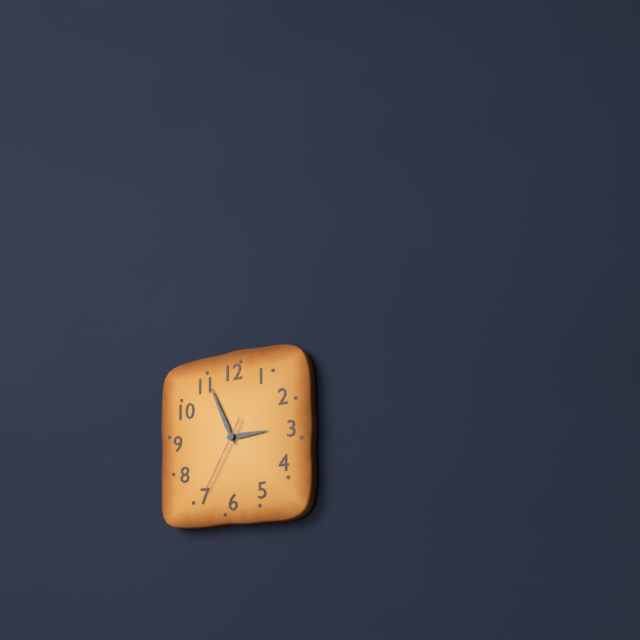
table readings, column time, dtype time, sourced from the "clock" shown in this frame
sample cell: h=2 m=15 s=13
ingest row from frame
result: h=2 m=56 s=35
